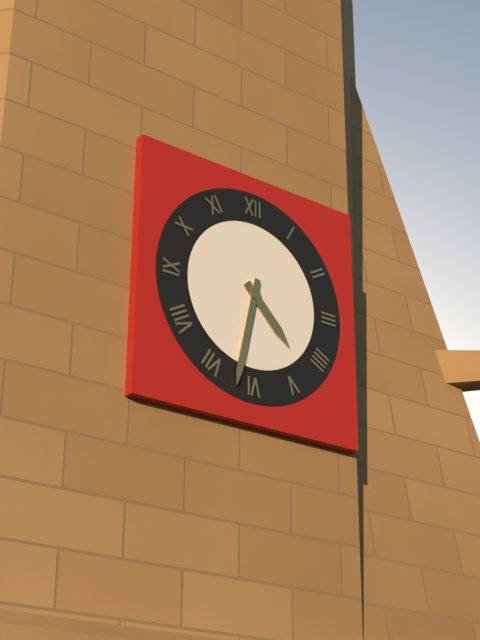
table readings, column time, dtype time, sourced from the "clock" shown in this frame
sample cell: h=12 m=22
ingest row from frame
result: h=4 m=32
